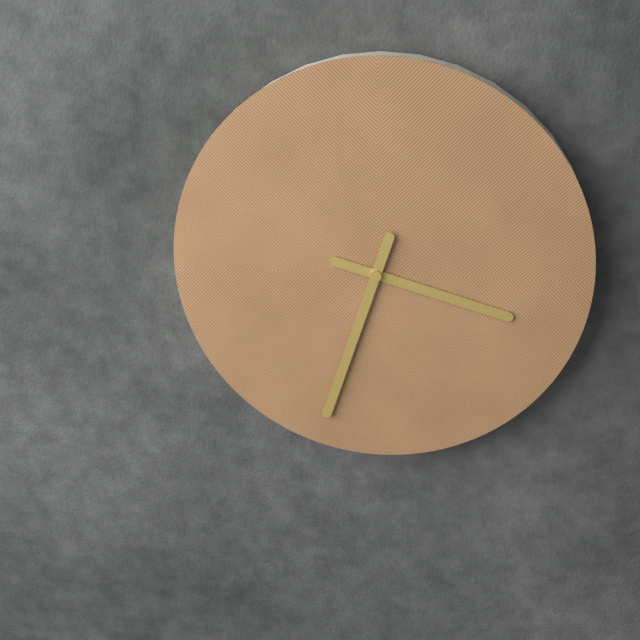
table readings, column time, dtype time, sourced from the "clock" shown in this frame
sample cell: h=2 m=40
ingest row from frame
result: h=3 m=33
